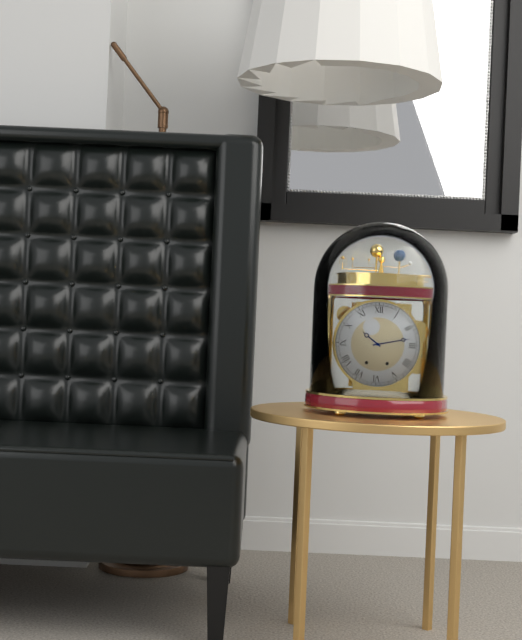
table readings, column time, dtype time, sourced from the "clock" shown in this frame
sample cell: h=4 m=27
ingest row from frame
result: h=10 m=13
